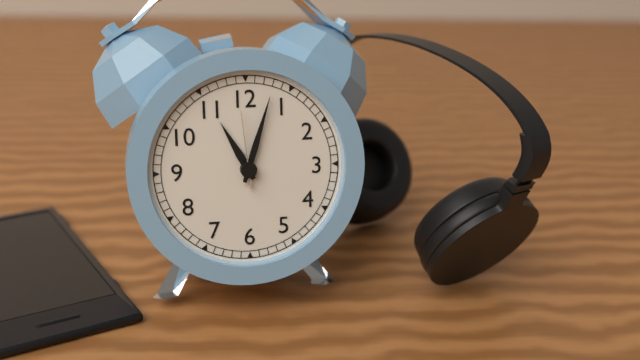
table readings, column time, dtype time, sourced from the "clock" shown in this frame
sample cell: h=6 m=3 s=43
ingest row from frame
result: h=11 m=3 s=59
